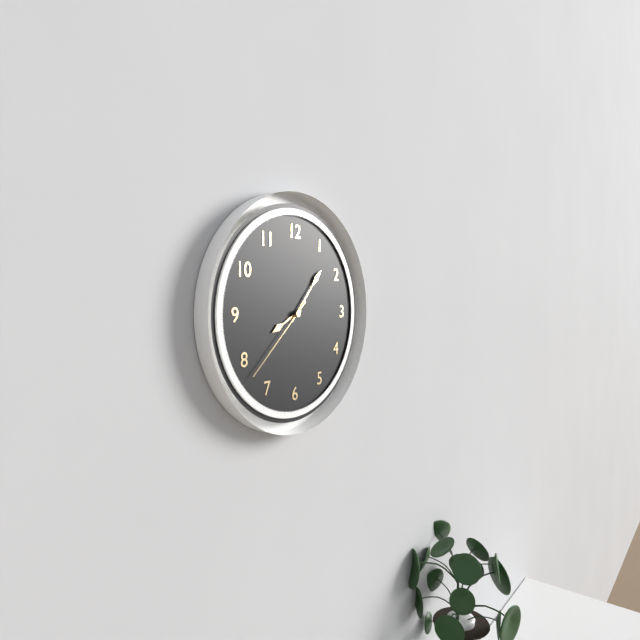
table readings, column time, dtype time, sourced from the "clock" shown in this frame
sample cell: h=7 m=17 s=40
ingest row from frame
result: h=8 m=7 s=38
